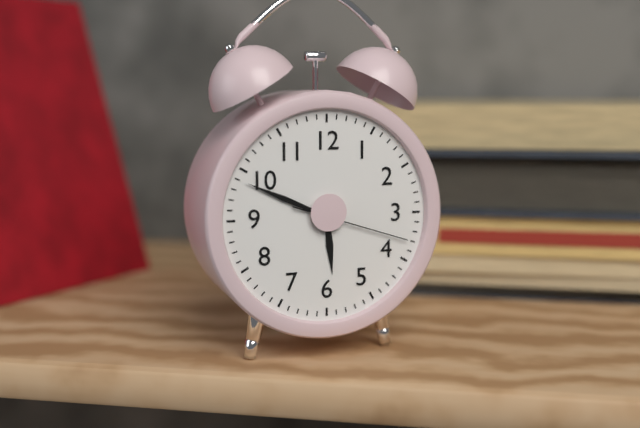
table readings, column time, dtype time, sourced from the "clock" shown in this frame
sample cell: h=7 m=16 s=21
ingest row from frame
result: h=5 m=49 s=18
